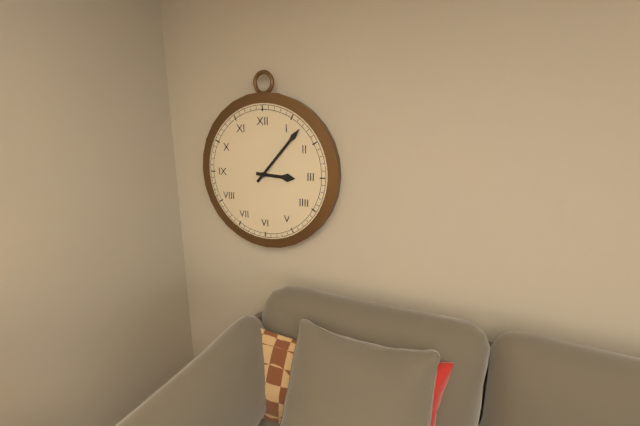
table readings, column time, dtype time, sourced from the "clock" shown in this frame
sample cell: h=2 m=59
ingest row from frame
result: h=3 m=7
